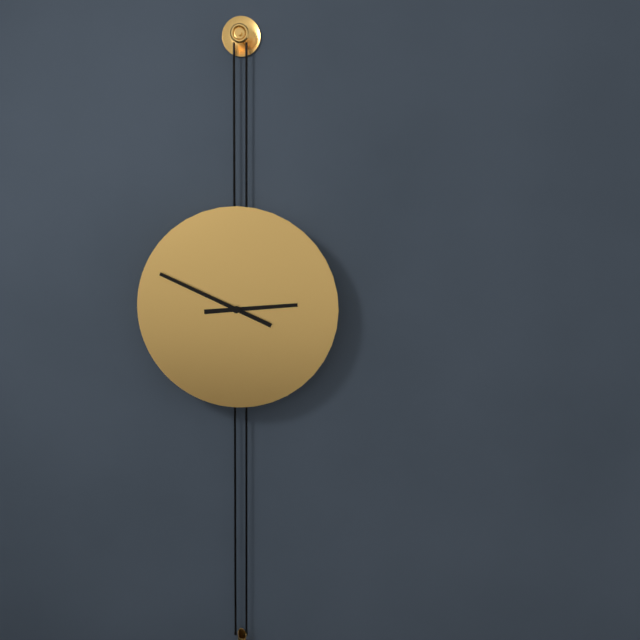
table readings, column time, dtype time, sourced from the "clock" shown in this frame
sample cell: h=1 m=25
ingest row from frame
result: h=2 m=49
